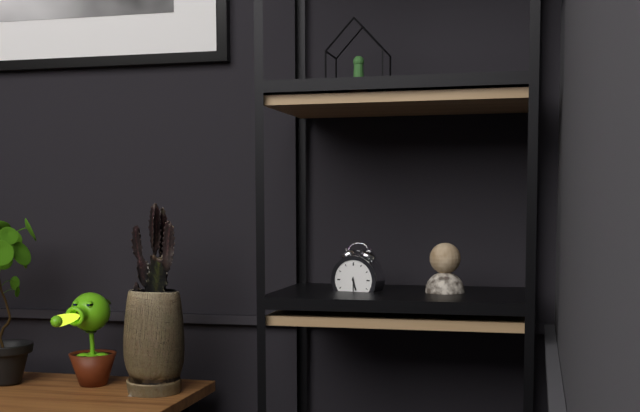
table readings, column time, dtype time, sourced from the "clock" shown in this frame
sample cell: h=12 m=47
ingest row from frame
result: h=5 m=30
